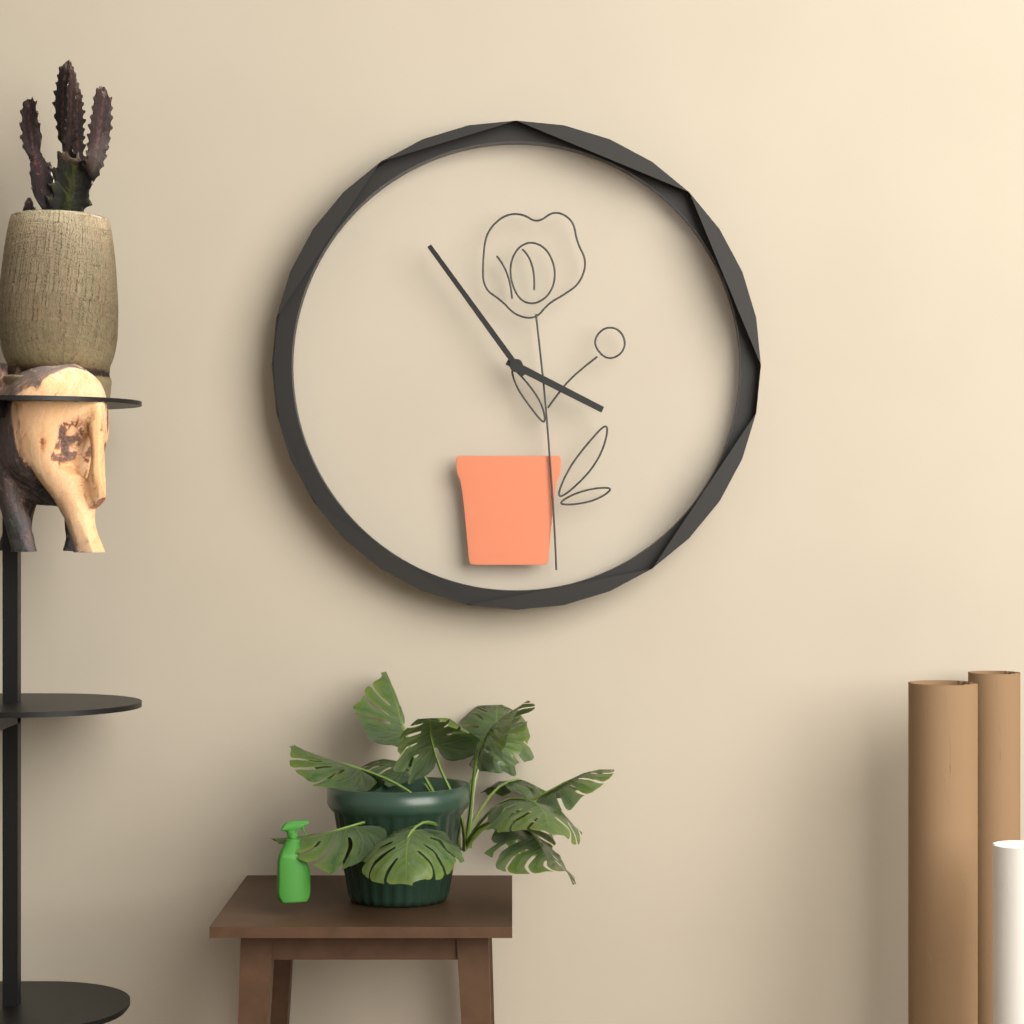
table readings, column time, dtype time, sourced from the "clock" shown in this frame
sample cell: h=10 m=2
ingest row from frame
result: h=3 m=54
